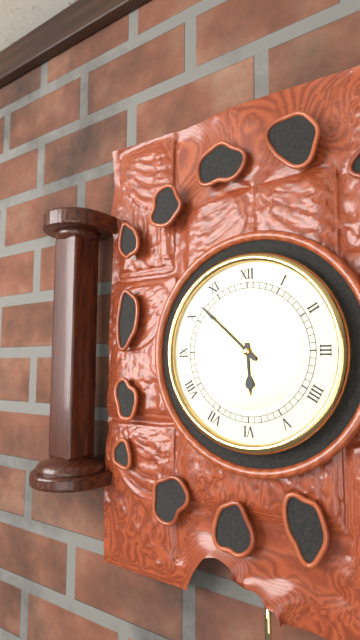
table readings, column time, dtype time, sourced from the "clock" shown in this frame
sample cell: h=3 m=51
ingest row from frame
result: h=5 m=52
